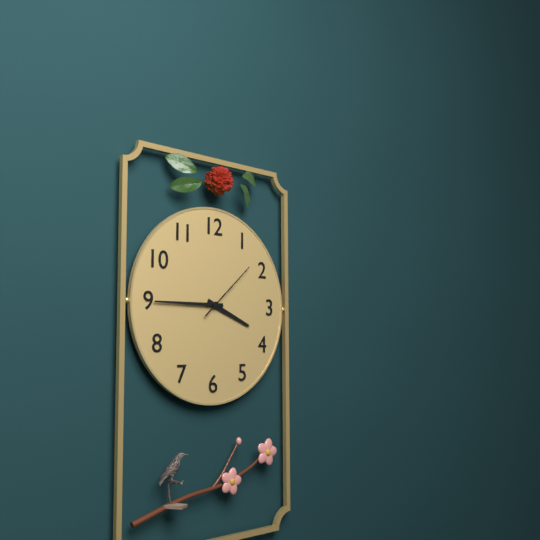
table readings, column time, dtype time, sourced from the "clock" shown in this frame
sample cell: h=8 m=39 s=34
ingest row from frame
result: h=3 m=45 s=8
